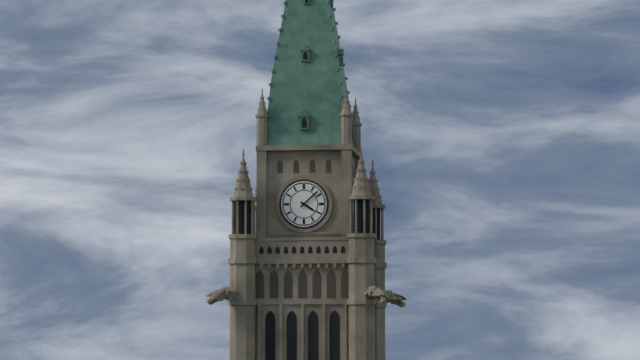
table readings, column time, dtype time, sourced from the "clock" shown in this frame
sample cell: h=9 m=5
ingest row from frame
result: h=4 m=8
